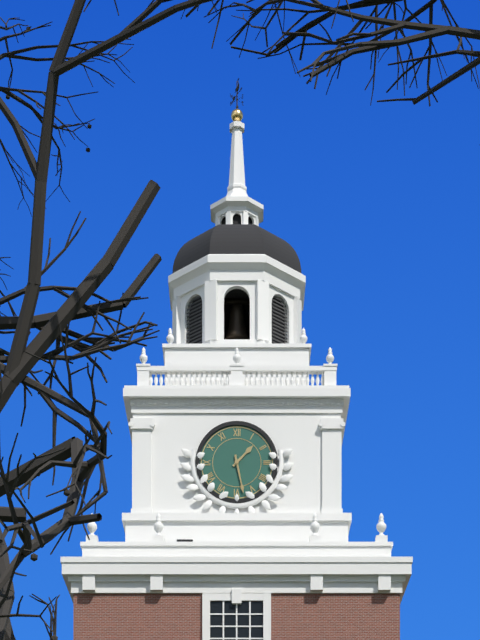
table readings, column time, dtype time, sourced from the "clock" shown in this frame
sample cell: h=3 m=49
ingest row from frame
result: h=1 m=28
